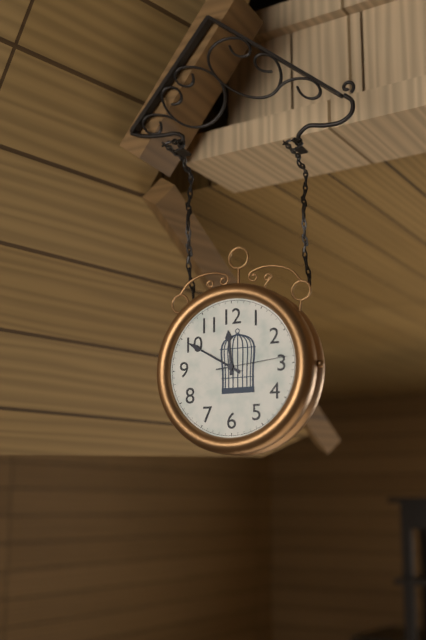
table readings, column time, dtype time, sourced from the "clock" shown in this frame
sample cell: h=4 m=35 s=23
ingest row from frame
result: h=11 m=50 s=14
